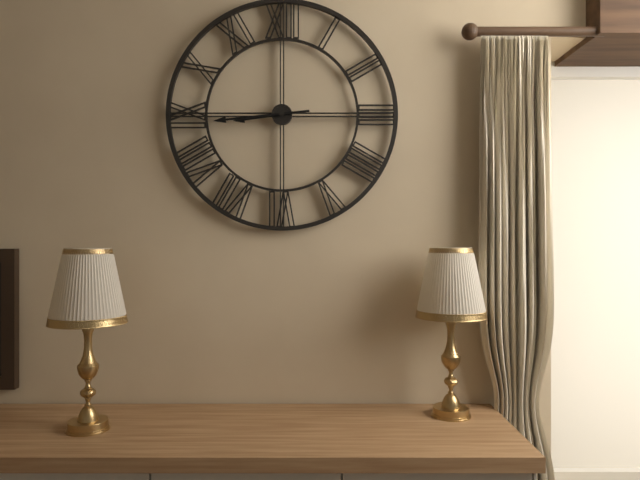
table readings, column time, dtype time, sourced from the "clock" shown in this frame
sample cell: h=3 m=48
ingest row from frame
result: h=8 m=44
